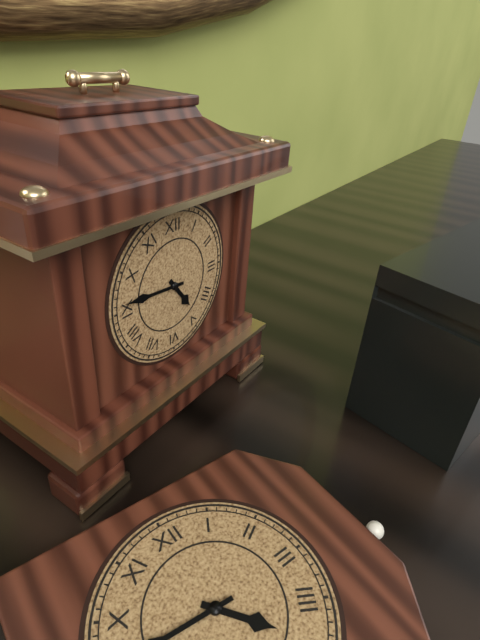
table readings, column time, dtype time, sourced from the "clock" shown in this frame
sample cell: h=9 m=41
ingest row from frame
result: h=4 m=46
